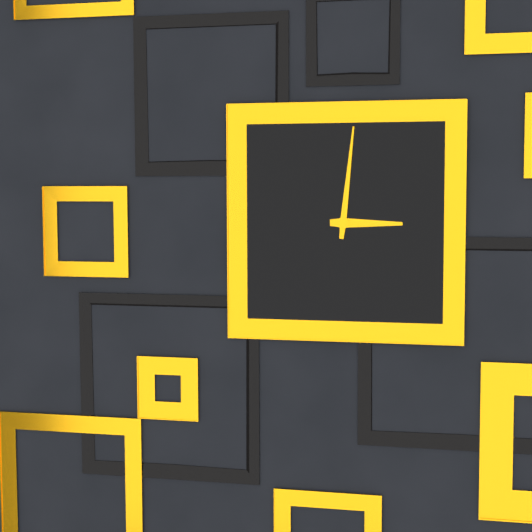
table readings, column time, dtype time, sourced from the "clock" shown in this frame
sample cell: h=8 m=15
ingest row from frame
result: h=3 m=1
